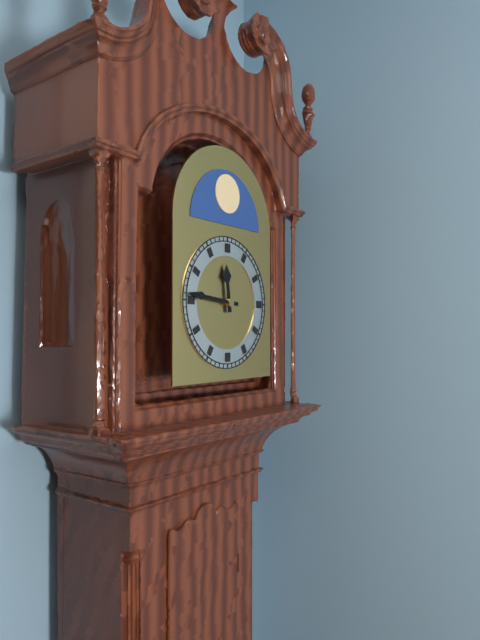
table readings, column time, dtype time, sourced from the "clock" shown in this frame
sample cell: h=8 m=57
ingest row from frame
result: h=11 m=46
